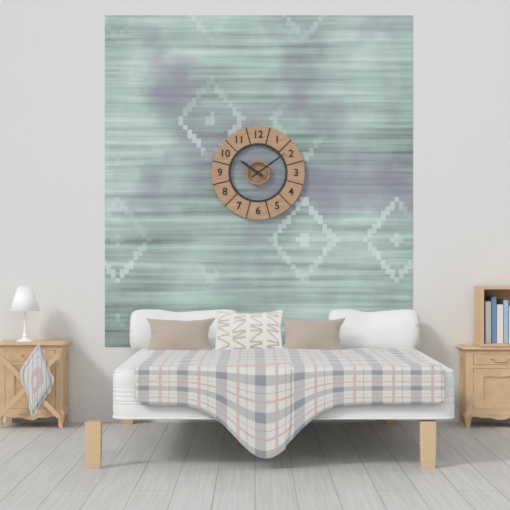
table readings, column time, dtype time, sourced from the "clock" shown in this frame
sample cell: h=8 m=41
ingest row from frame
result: h=10 m=9
